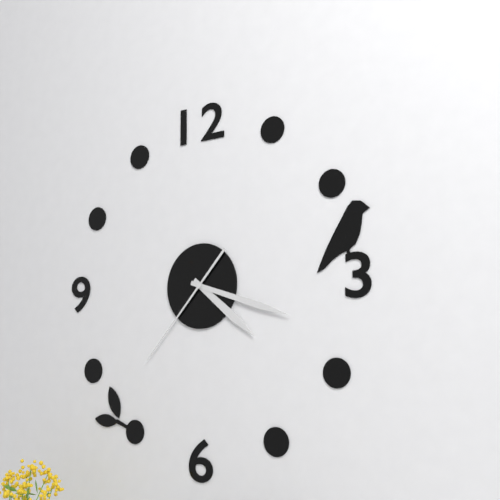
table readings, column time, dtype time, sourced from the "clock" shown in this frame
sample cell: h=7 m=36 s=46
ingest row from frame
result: h=4 m=18 s=37
